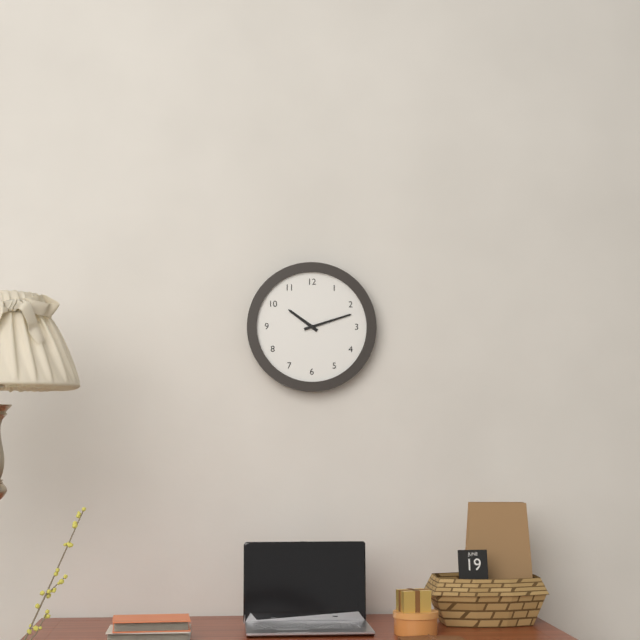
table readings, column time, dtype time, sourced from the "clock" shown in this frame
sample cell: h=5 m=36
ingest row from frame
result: h=10 m=12
